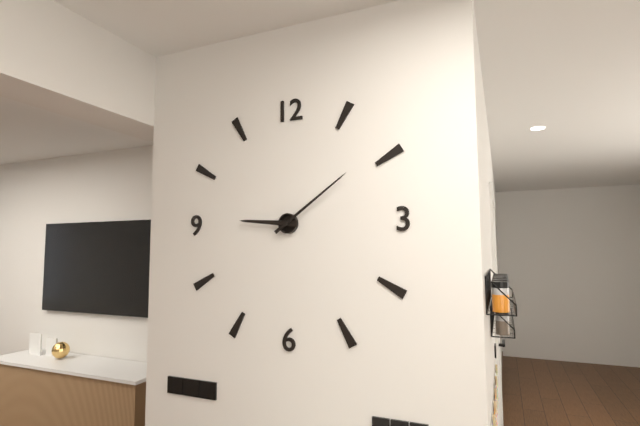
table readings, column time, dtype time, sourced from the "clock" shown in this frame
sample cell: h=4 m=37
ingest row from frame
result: h=9 m=9
